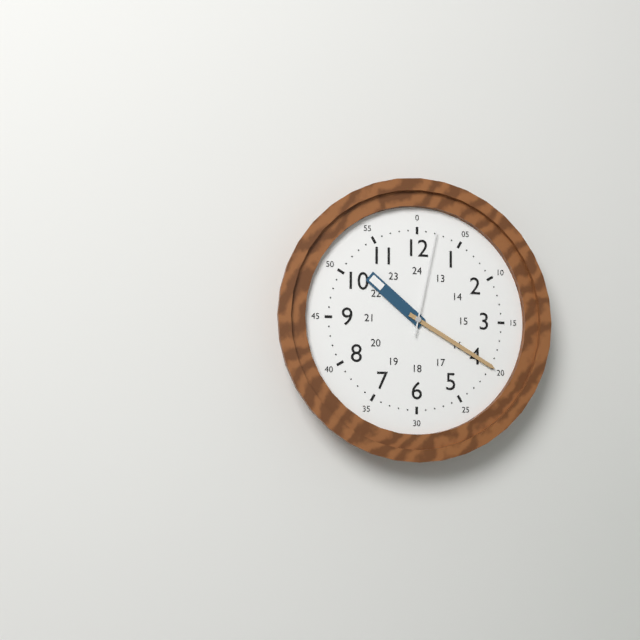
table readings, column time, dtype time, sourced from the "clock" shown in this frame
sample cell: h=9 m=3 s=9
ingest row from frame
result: h=10 m=20 s=2
